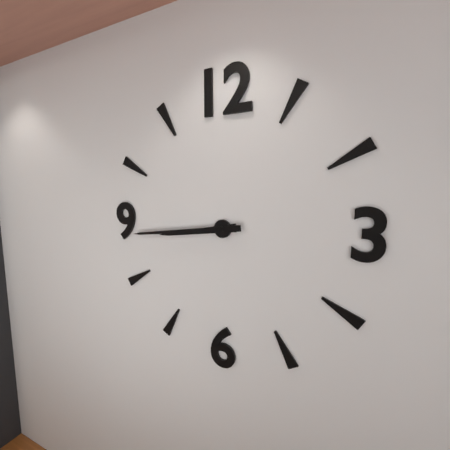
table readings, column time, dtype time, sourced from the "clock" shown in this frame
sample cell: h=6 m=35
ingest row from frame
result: h=8 m=44
